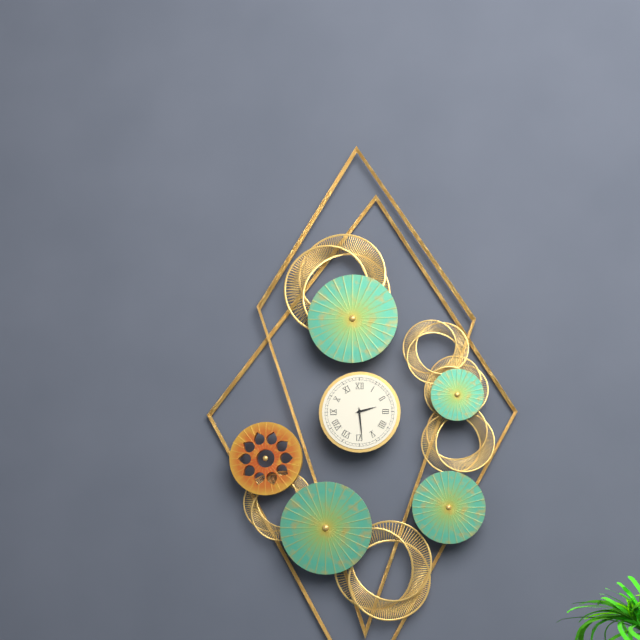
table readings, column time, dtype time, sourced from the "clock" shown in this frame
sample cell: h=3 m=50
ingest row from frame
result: h=2 m=29
